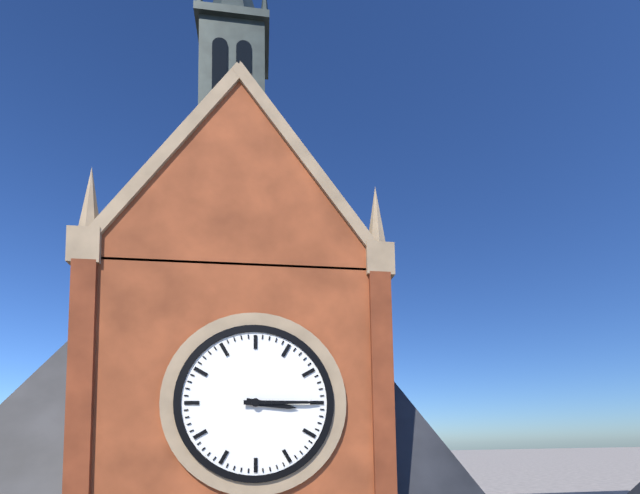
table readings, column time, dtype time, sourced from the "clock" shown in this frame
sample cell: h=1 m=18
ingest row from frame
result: h=3 m=15
